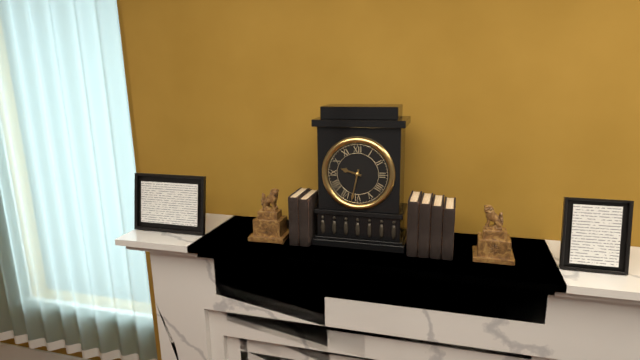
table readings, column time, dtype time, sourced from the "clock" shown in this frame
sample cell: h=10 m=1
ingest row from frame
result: h=9 m=32
